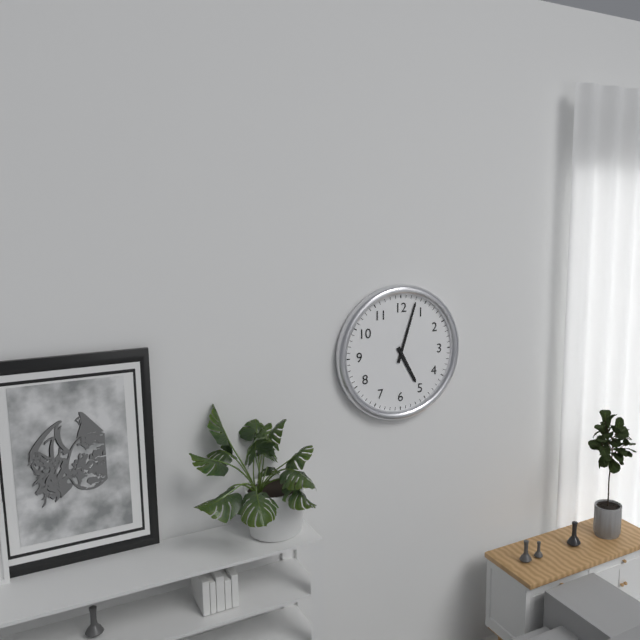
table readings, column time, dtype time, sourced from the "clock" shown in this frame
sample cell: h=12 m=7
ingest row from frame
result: h=5 m=3
